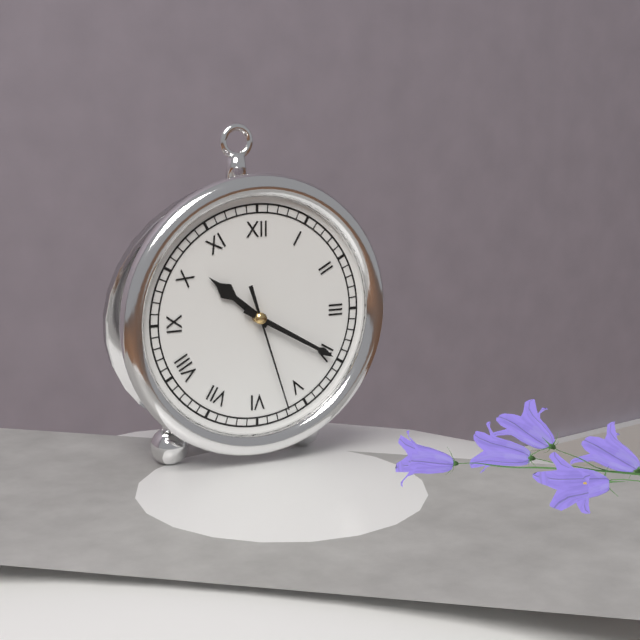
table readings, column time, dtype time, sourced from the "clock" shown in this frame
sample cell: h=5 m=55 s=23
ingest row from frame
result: h=10 m=20 s=27
